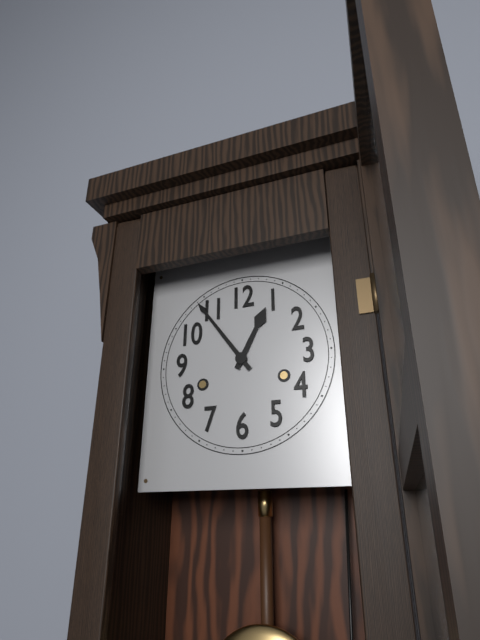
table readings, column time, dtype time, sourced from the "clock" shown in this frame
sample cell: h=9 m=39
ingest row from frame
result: h=12 m=54
